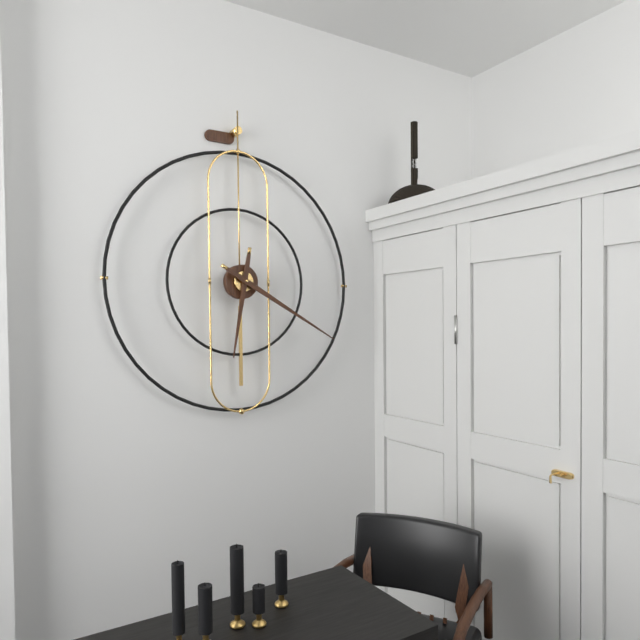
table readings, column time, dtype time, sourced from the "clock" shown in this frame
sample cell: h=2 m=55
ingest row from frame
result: h=6 m=20
